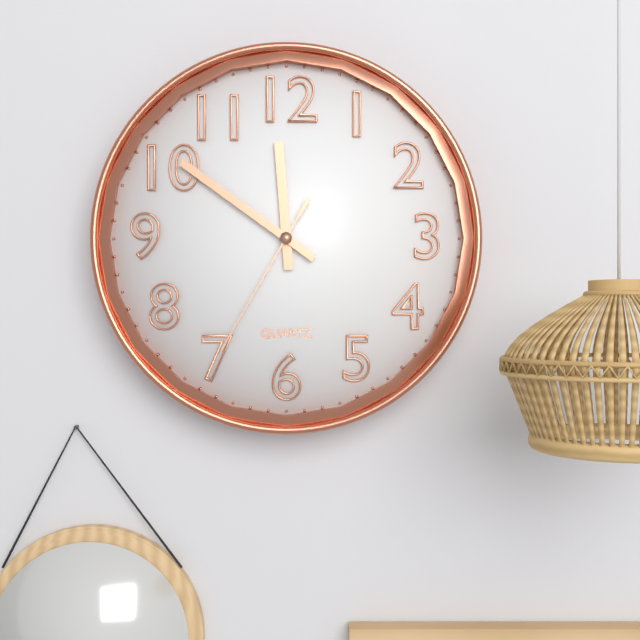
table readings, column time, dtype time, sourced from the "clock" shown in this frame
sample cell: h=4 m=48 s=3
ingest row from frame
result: h=11 m=51 s=35
